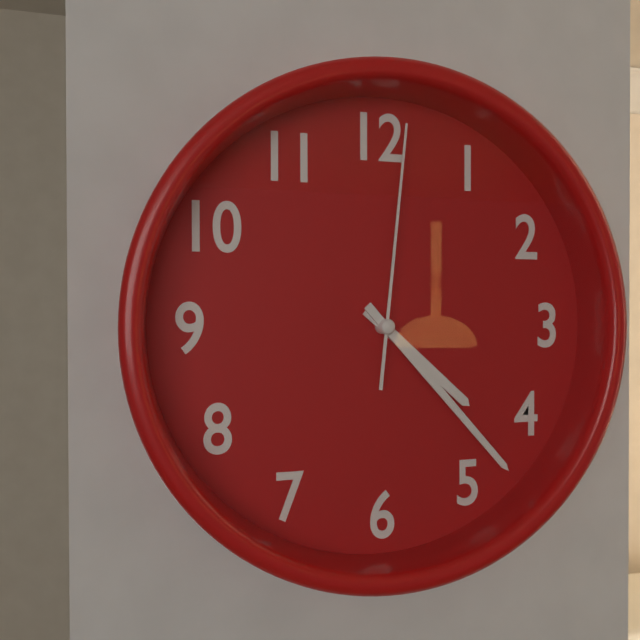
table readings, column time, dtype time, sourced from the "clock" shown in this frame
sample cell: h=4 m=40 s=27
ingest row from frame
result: h=4 m=23 s=1
